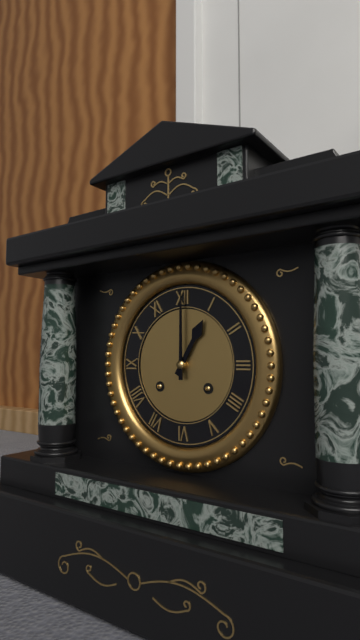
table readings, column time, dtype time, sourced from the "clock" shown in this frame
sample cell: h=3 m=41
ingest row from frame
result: h=1 m=0
